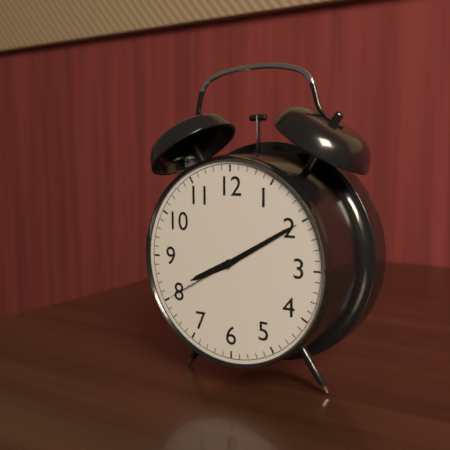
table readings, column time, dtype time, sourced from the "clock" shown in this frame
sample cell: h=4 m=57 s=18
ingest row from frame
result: h=8 m=10 s=40
